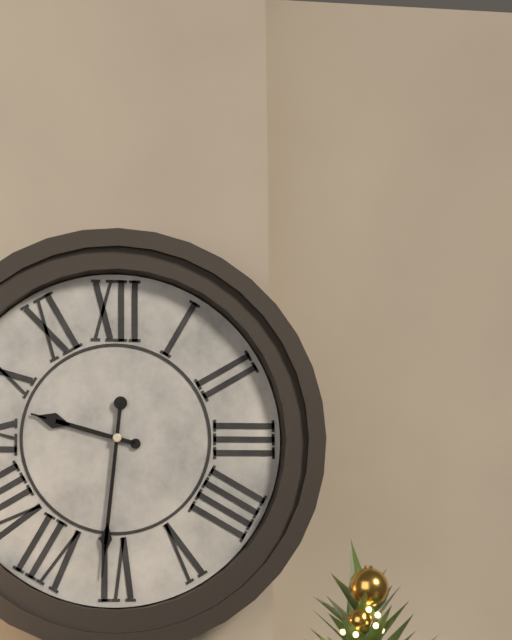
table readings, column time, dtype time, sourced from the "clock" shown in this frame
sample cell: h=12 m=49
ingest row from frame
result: h=9 m=31
